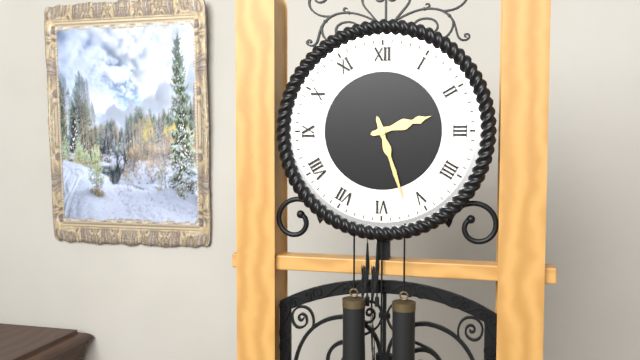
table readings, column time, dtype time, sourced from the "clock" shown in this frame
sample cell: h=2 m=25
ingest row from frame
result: h=2 m=27
